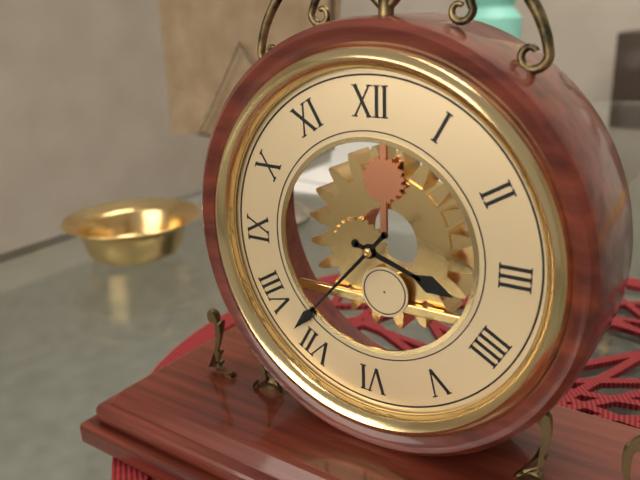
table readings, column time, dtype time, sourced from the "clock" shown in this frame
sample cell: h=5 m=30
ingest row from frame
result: h=3 m=37
